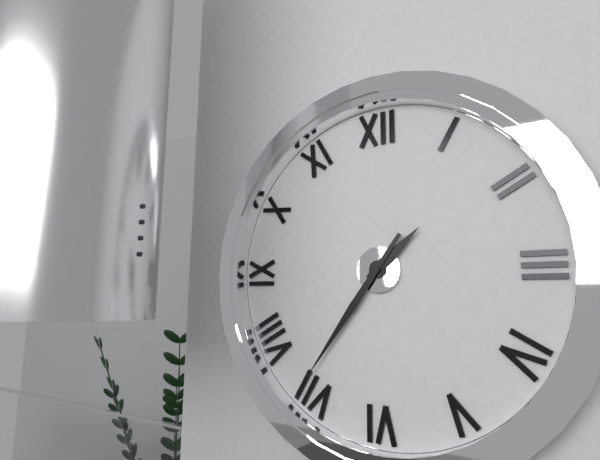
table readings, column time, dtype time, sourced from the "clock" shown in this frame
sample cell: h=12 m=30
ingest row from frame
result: h=1 m=36
